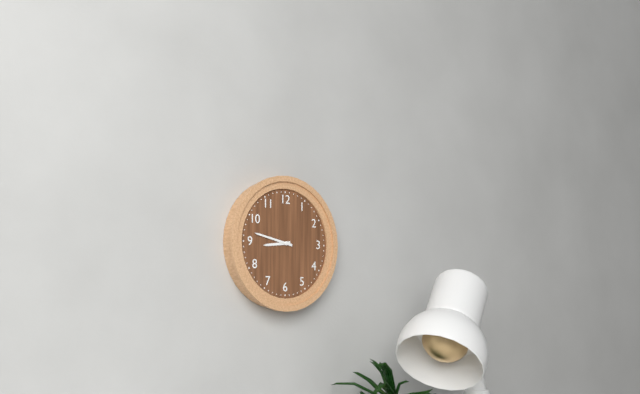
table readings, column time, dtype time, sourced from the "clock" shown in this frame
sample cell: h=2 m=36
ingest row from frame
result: h=8 m=47
